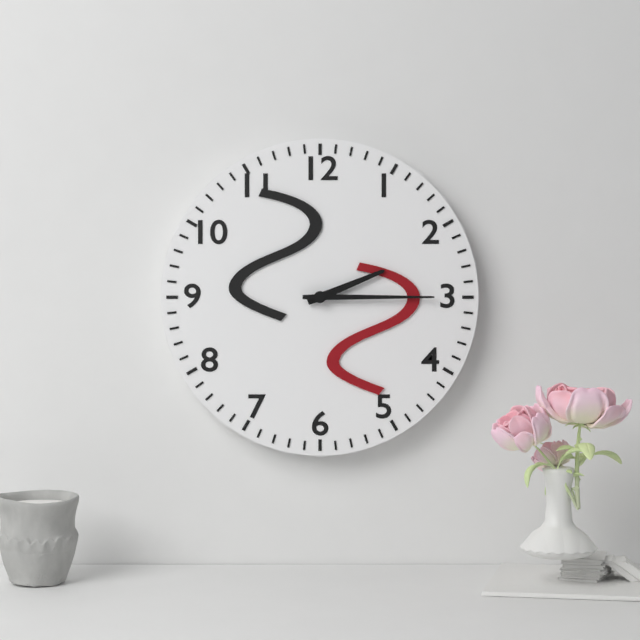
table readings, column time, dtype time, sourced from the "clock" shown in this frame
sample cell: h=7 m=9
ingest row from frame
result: h=2 m=15
